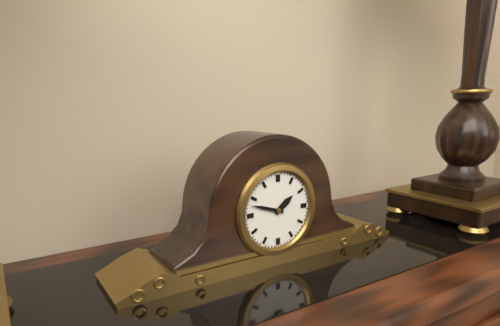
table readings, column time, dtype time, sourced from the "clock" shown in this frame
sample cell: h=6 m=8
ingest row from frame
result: h=1 m=48
